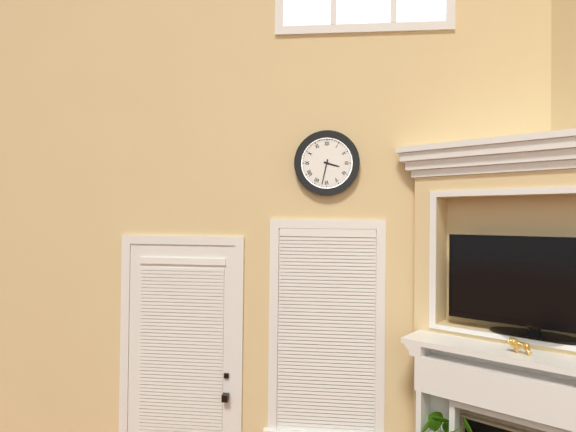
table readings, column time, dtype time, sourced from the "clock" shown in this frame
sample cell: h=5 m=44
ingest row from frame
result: h=3 m=32
